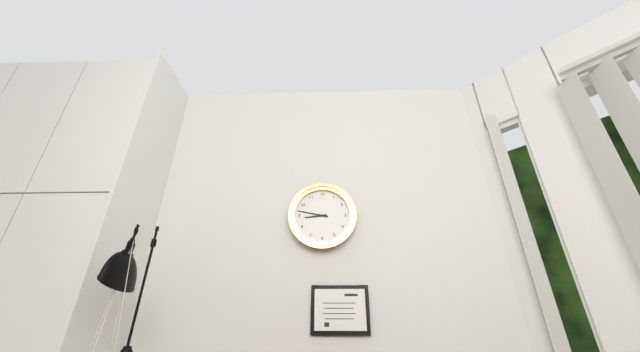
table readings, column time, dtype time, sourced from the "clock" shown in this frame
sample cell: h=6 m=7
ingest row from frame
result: h=8 m=47
